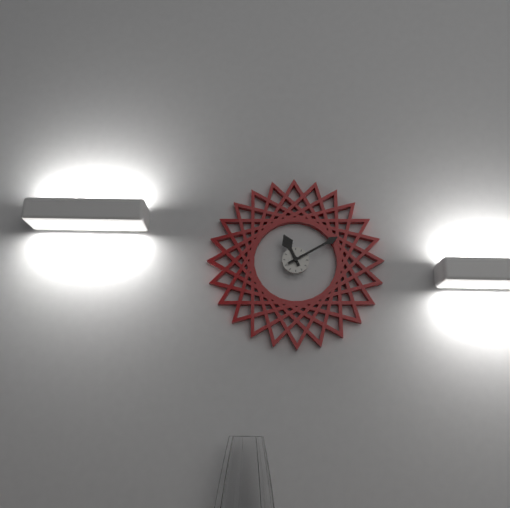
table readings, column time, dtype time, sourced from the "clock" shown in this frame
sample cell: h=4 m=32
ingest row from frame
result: h=11 m=10
